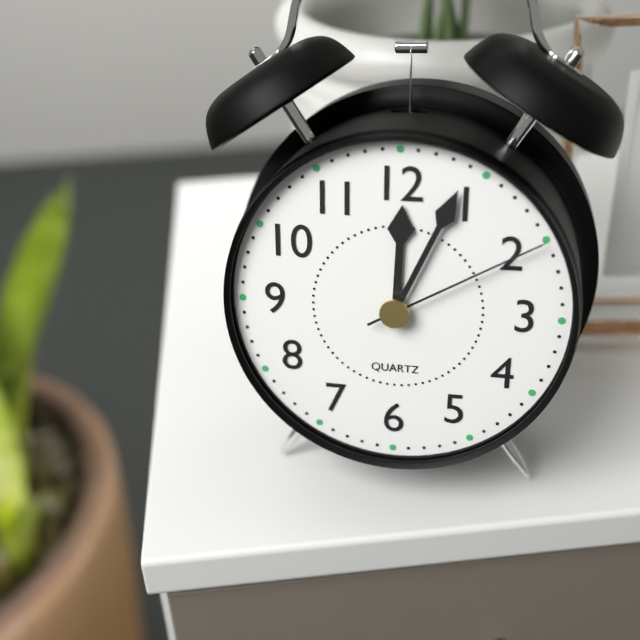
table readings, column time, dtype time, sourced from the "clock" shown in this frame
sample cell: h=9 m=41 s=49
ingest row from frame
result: h=12 m=4 s=10
